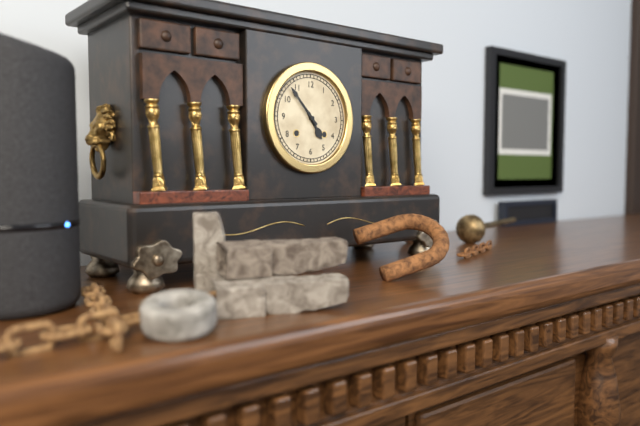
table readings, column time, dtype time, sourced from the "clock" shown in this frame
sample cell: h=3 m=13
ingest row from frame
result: h=4 m=53
